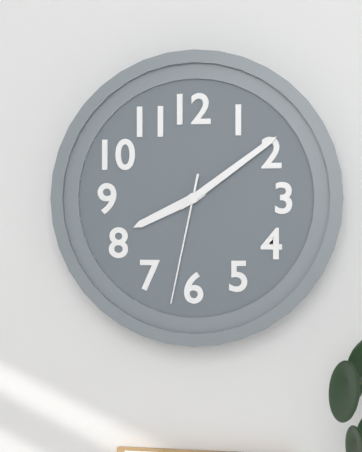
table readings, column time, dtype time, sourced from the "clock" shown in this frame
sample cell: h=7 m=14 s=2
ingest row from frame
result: h=8 m=9 s=32
